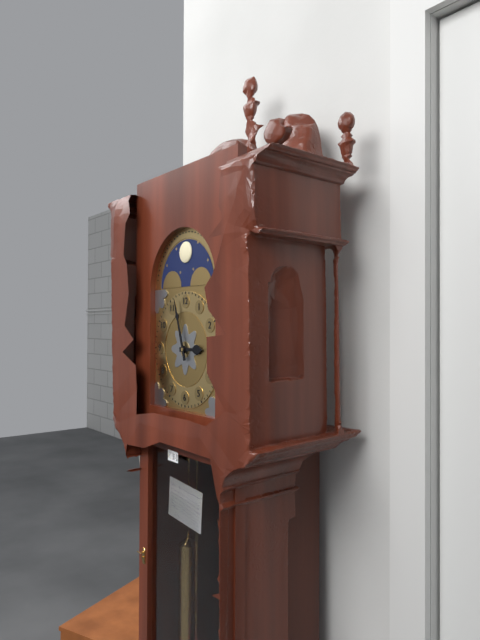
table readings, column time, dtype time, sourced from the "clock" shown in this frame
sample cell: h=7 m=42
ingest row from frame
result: h=2 m=57
